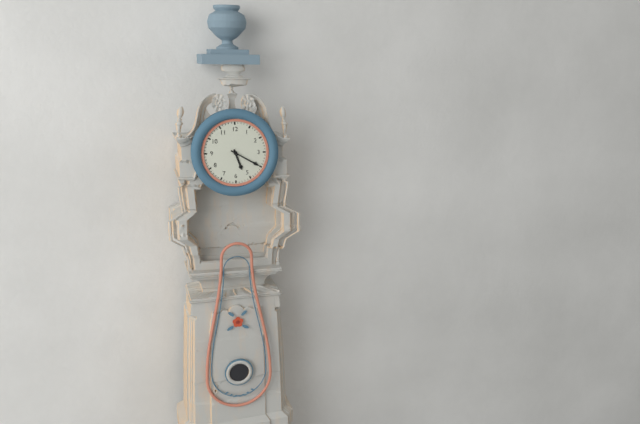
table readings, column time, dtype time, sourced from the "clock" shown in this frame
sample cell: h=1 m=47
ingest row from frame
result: h=5 m=20
